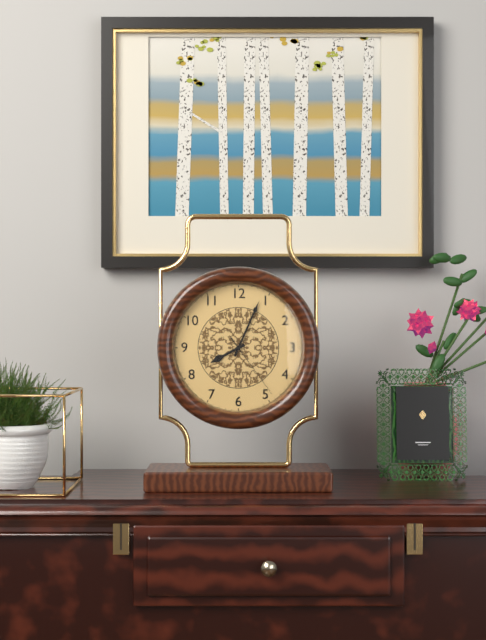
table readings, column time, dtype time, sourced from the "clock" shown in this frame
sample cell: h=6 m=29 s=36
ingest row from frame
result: h=8 m=4 s=24
